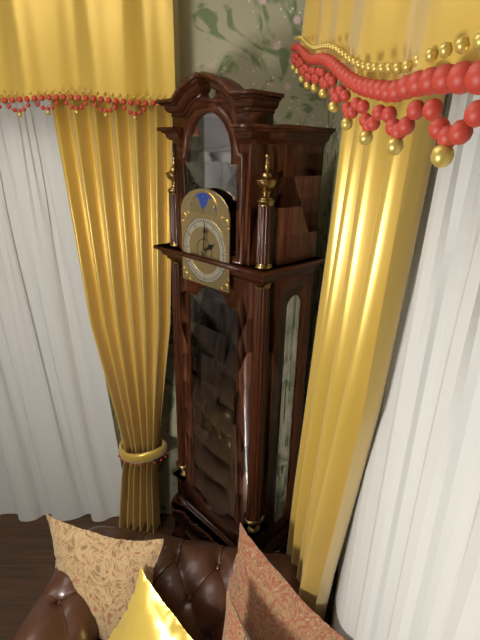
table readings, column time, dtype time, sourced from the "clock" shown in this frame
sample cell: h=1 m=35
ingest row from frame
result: h=2 m=1
